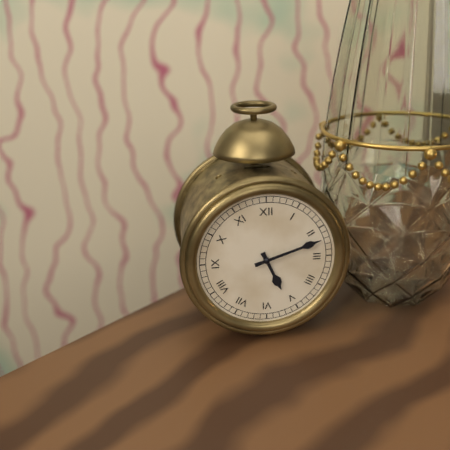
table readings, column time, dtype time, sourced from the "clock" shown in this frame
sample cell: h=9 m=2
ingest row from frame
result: h=5 m=12
